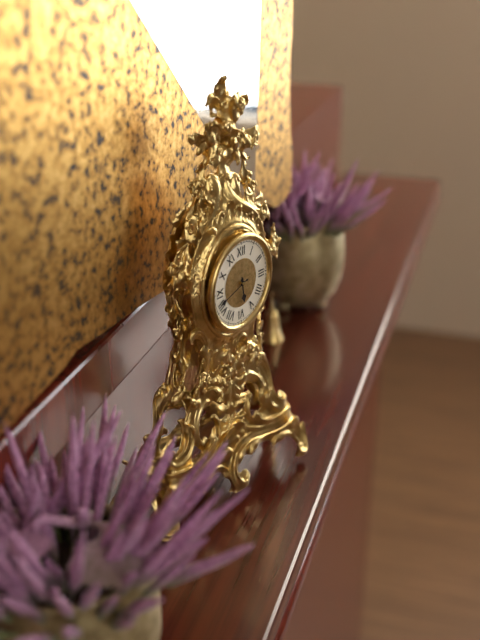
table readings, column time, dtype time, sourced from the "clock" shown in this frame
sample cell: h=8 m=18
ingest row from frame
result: h=5 m=42
